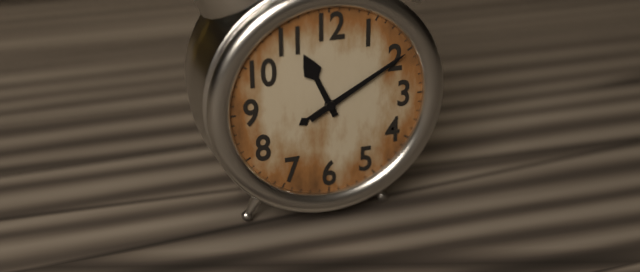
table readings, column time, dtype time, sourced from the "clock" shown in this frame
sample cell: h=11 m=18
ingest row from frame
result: h=11 m=10
